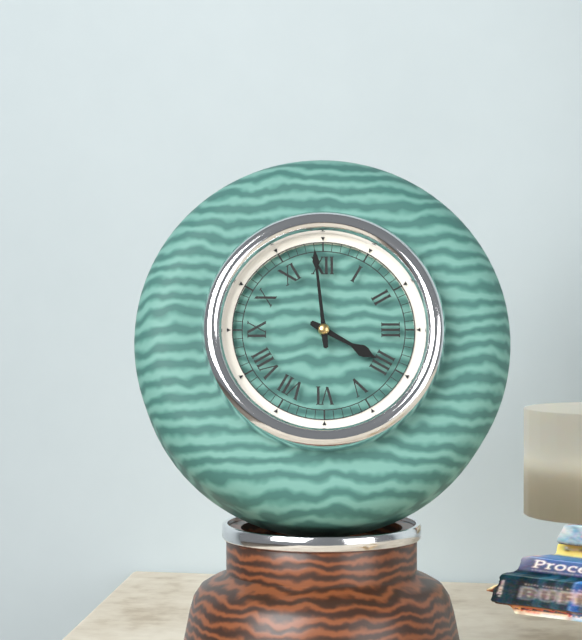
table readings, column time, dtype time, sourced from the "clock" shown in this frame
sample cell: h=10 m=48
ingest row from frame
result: h=3 m=59
